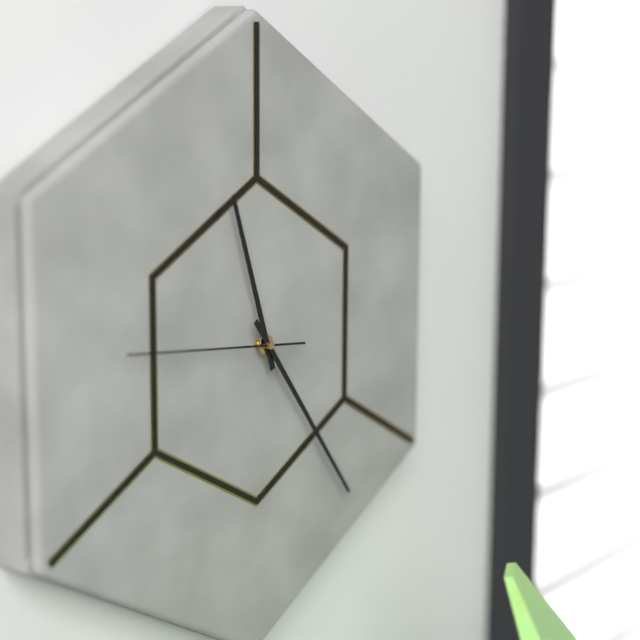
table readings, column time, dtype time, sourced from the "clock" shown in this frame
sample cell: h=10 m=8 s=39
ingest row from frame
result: h=11 m=24 s=46
